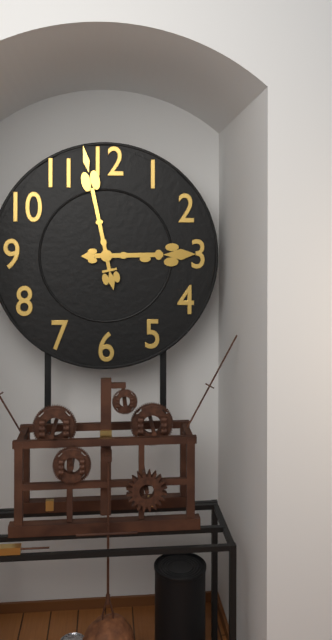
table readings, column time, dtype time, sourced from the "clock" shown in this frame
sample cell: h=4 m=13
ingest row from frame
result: h=2 m=58
